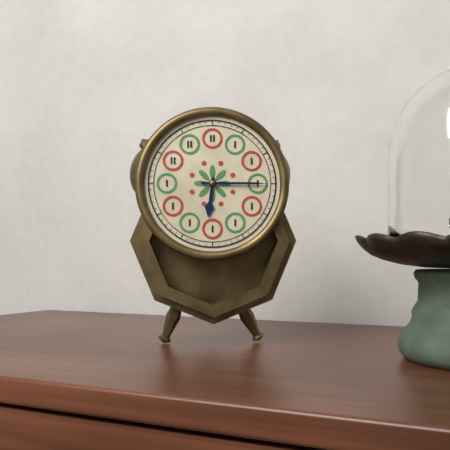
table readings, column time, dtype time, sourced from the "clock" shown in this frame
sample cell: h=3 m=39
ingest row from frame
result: h=6 m=15
